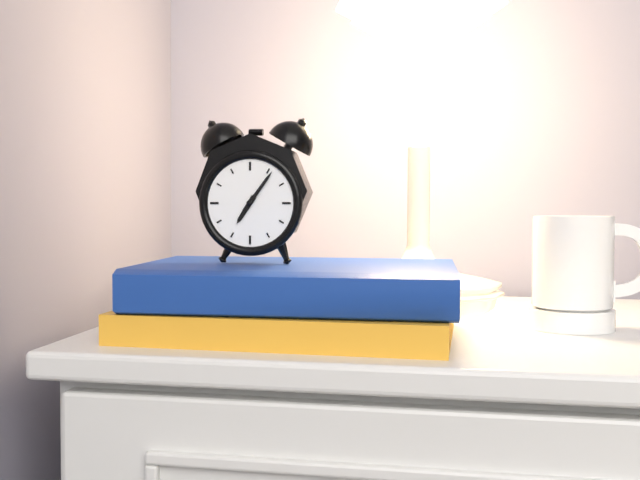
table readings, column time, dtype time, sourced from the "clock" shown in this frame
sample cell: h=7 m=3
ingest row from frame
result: h=7 m=6
